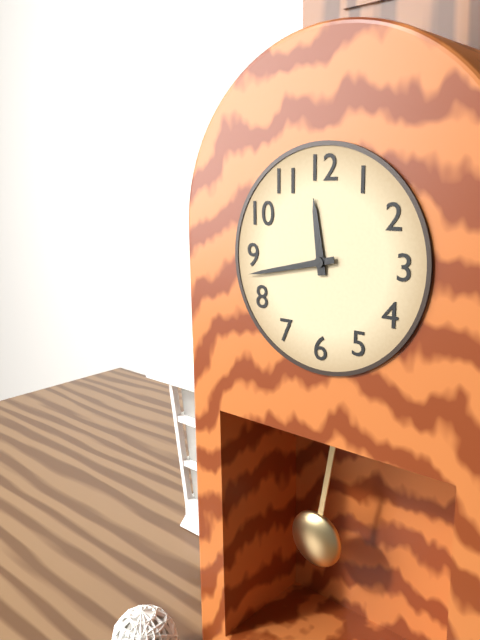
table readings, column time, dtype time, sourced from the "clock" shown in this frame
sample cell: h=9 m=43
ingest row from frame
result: h=11 m=43
